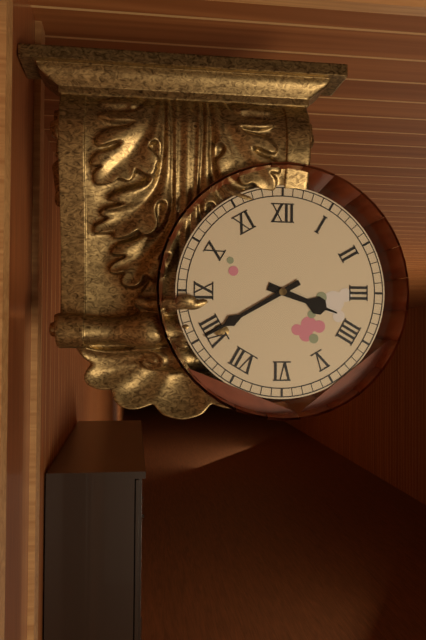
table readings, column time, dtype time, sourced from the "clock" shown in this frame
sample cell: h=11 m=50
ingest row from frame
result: h=3 m=40
